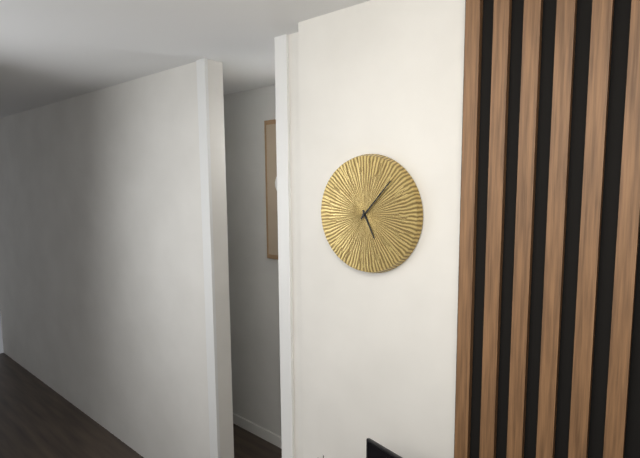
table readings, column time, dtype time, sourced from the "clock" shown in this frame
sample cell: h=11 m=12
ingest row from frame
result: h=5 m=7
